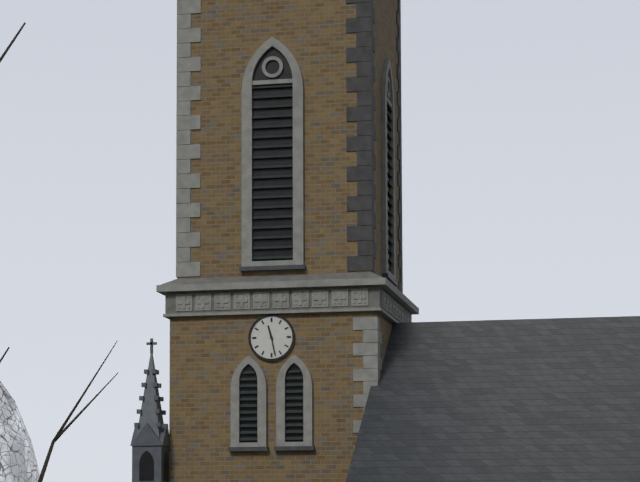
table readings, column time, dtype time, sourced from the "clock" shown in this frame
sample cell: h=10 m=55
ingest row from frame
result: h=11 m=28
